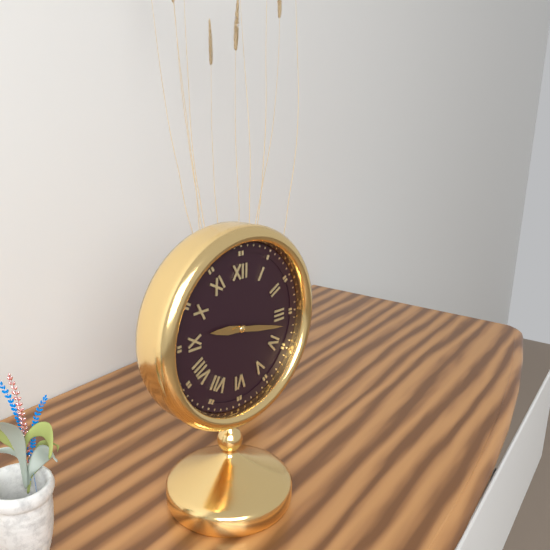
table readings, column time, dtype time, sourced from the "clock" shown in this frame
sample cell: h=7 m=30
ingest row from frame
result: h=9 m=17
